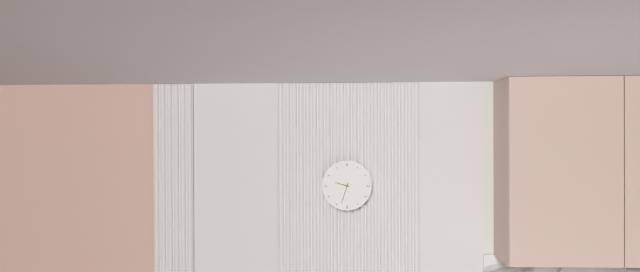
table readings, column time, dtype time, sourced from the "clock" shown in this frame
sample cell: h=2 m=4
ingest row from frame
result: h=9 m=33
